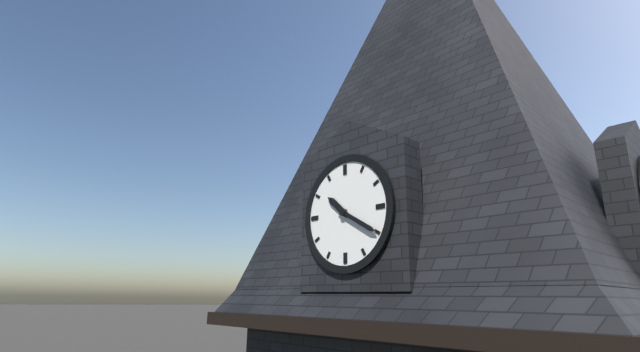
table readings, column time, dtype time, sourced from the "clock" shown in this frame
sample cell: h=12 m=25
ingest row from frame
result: h=10 m=20
